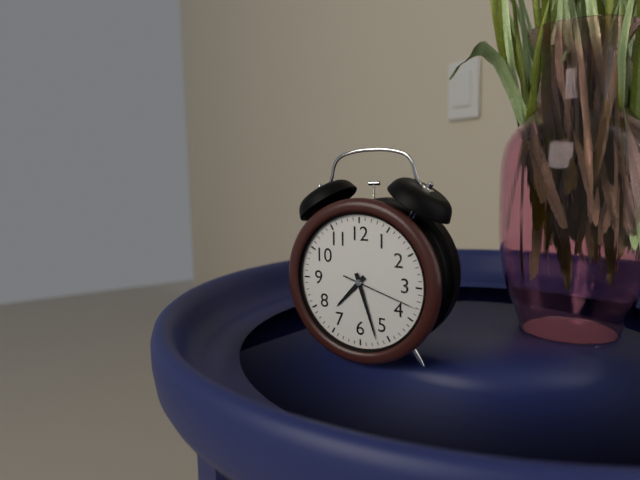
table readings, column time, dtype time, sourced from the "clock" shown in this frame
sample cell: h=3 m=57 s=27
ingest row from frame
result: h=7 m=27 s=18
